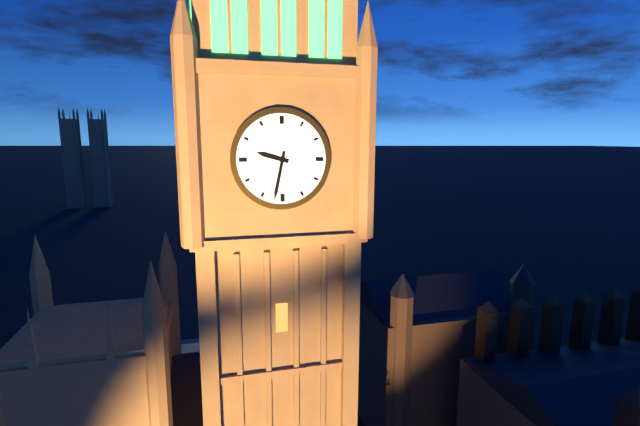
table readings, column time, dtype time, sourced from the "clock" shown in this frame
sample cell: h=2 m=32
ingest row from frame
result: h=9 m=32
